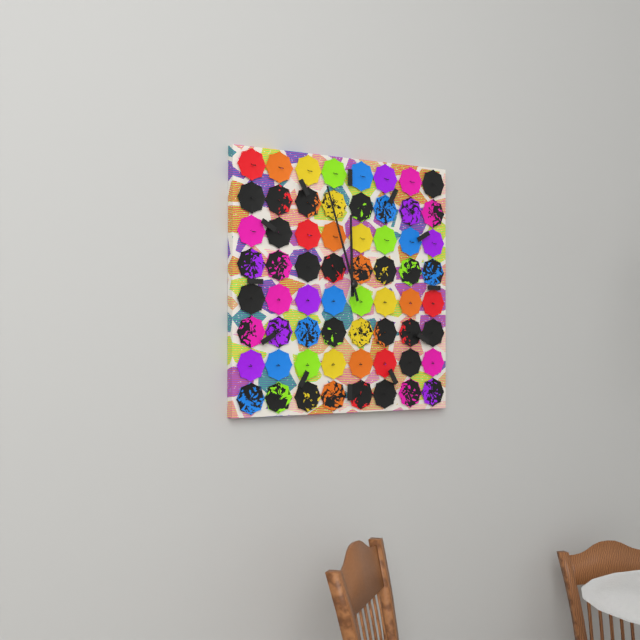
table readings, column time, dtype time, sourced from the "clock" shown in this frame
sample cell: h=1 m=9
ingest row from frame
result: h=11 m=57
